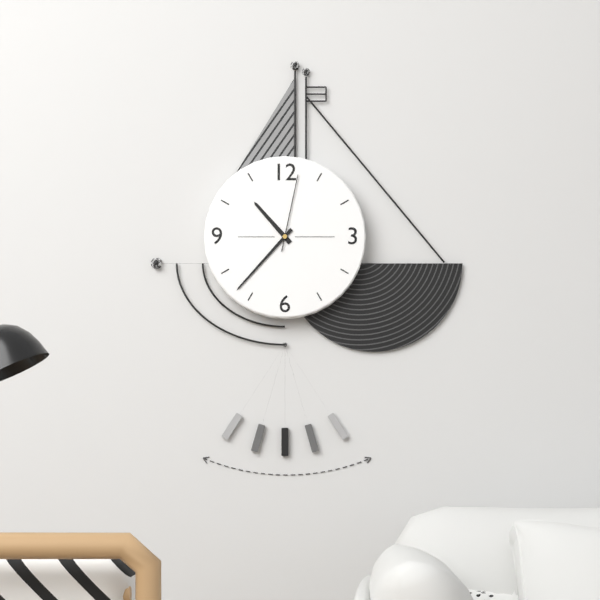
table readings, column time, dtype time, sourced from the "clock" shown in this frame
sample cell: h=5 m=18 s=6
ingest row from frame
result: h=10 m=37 s=2
